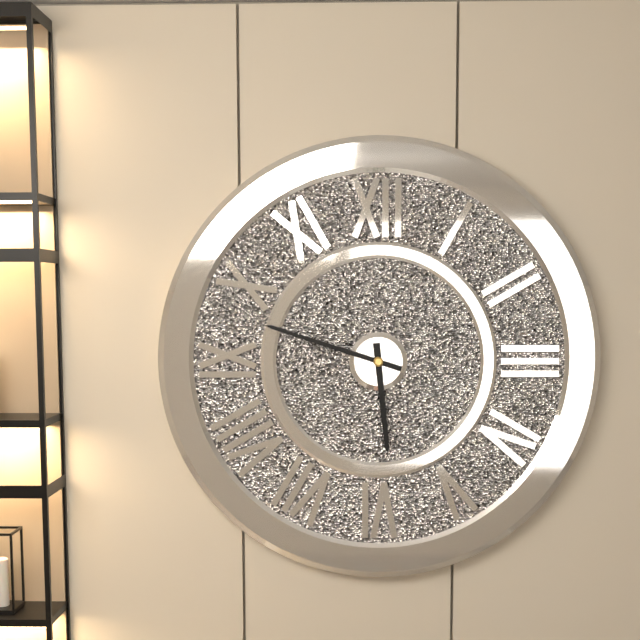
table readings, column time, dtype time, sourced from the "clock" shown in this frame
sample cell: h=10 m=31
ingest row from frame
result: h=5 m=48
